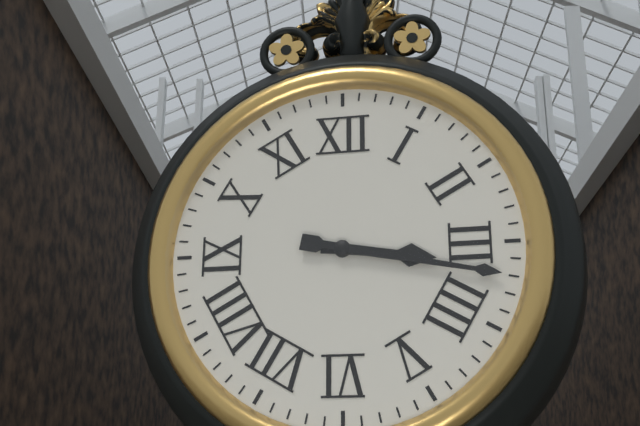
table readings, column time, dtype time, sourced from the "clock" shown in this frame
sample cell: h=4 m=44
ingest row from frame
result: h=3 m=17
